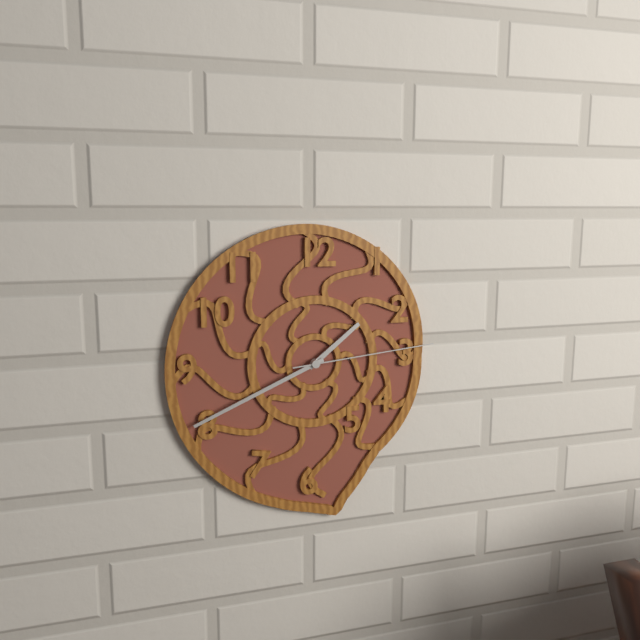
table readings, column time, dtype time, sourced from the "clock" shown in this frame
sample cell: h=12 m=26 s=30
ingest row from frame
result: h=1 m=41 s=14
